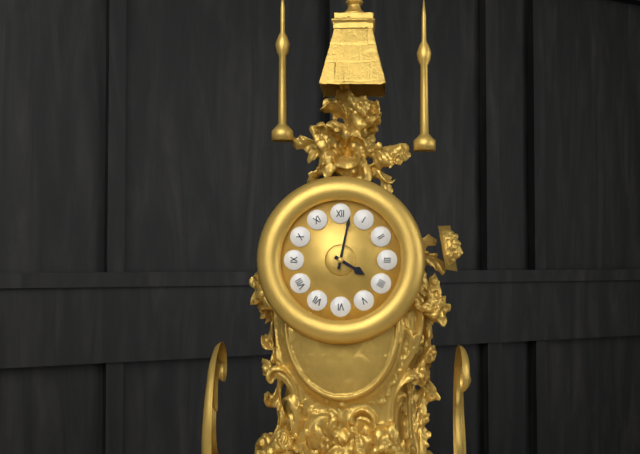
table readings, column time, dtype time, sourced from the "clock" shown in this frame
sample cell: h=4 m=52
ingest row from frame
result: h=4 m=2
